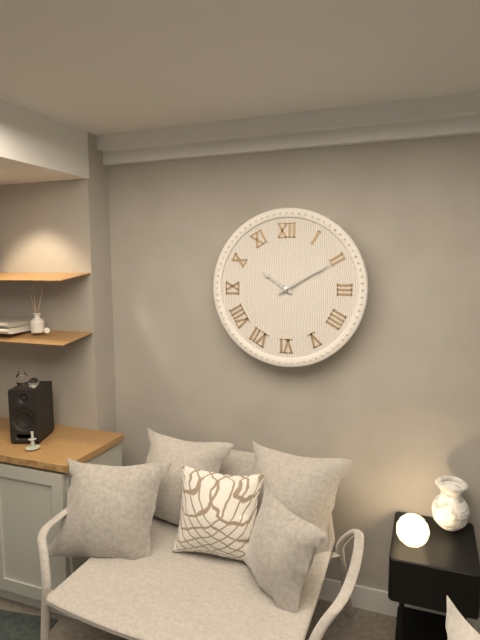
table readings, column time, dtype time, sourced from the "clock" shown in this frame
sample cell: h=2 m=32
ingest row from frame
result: h=10 m=10
